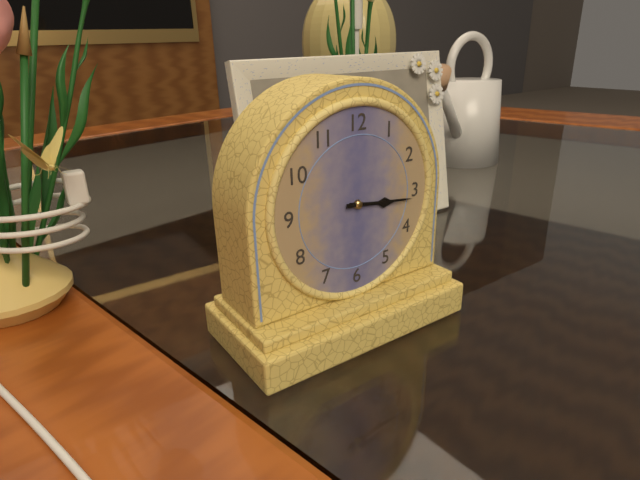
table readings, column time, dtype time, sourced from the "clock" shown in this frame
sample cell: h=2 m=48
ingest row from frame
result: h=3 m=16
